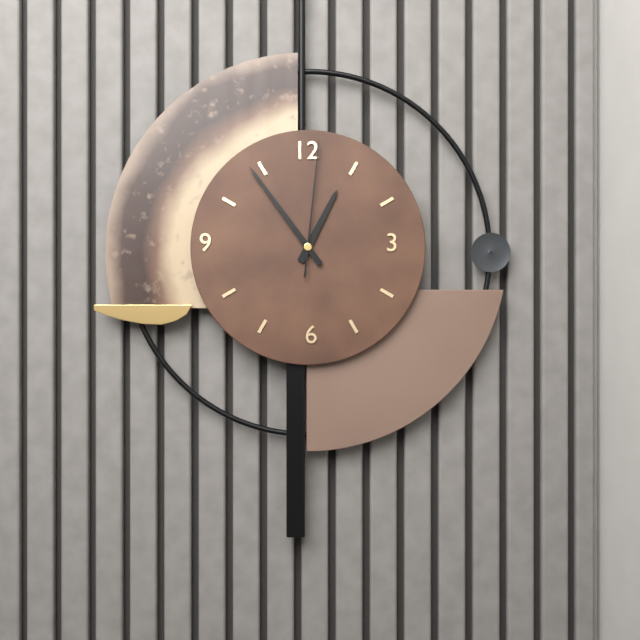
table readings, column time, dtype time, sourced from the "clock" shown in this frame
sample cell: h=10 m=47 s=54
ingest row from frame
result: h=12 m=54 s=1
